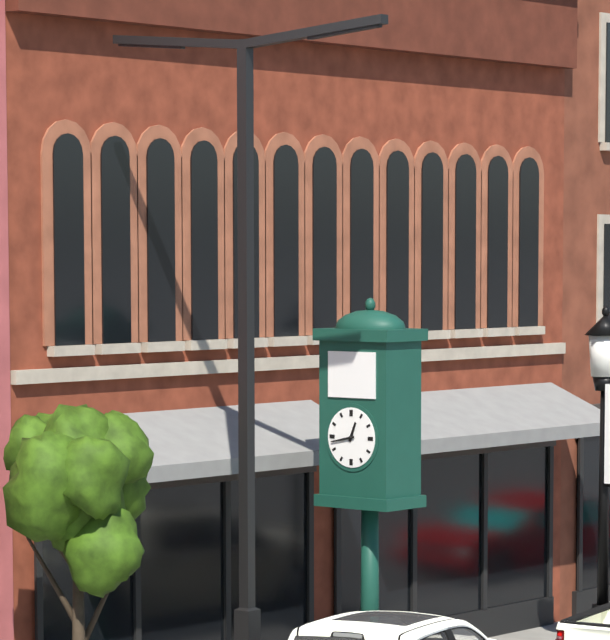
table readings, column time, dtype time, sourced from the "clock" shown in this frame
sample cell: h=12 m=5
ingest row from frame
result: h=12 m=43
